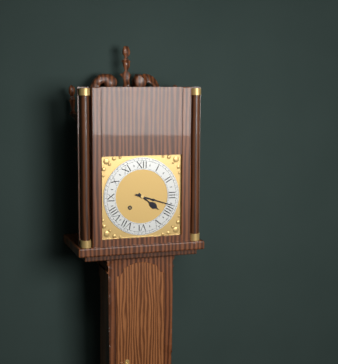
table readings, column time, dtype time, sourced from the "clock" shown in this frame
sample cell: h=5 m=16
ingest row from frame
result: h=4 m=18
